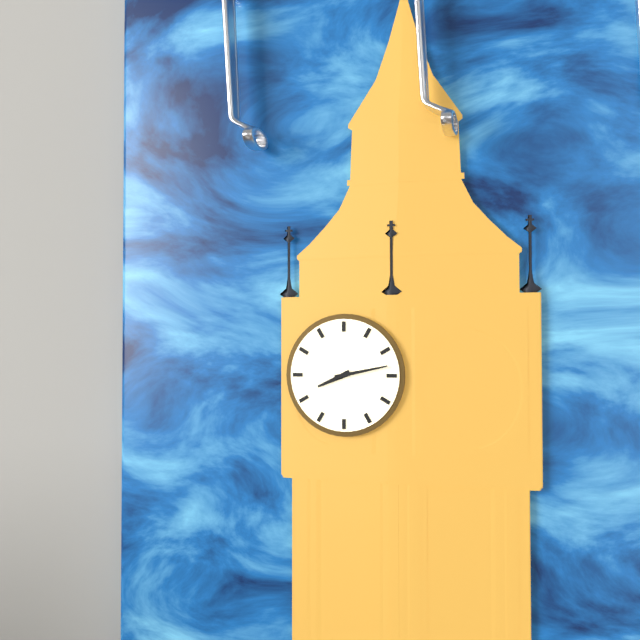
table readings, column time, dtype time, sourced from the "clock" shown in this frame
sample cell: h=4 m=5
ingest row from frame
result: h=8 m=13
